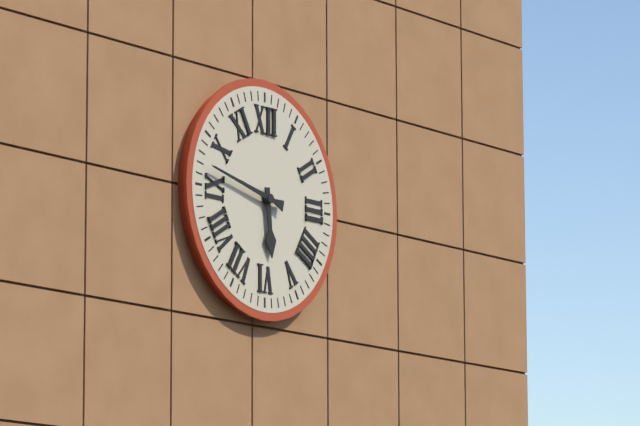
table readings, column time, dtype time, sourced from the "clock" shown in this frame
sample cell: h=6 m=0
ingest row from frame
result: h=5 m=47
